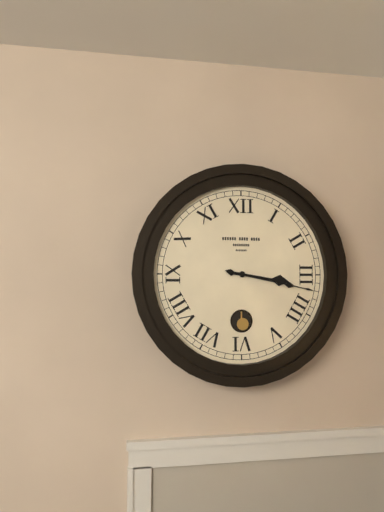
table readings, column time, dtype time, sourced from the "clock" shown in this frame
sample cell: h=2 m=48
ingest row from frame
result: h=3 m=17
